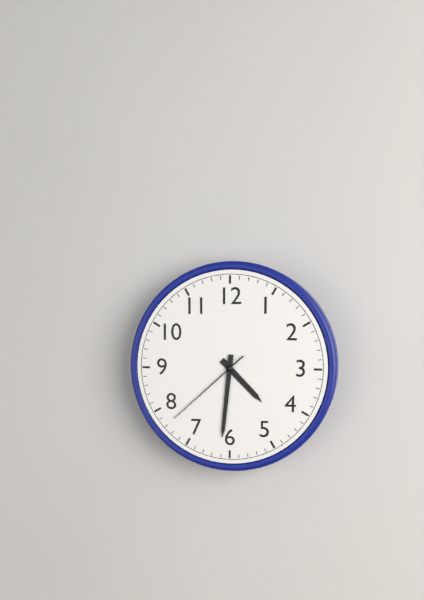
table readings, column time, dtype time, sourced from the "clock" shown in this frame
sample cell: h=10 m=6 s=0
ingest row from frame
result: h=4 m=31 s=38
